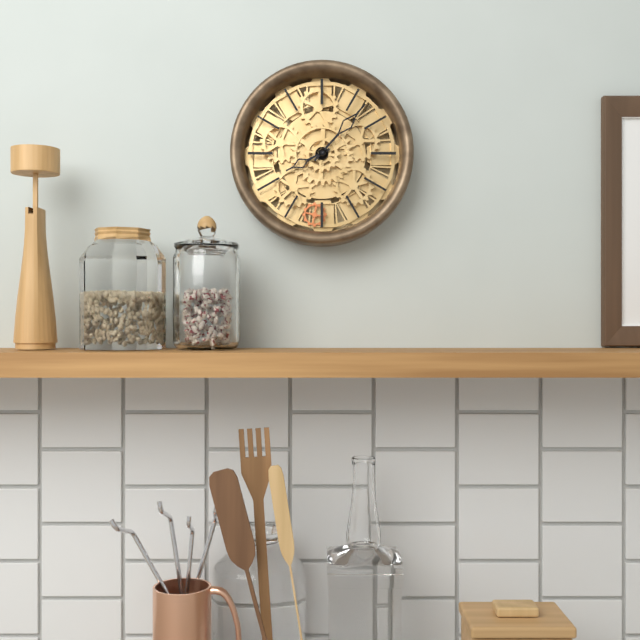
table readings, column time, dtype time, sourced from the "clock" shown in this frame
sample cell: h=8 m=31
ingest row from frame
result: h=8 m=7
